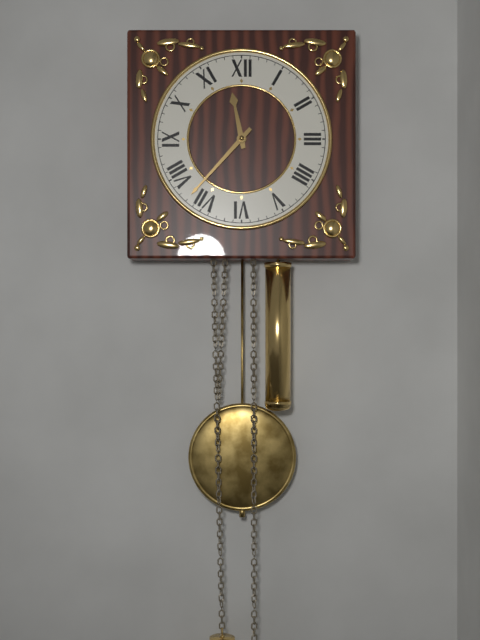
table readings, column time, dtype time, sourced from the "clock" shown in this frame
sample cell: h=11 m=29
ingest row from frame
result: h=11 m=37
